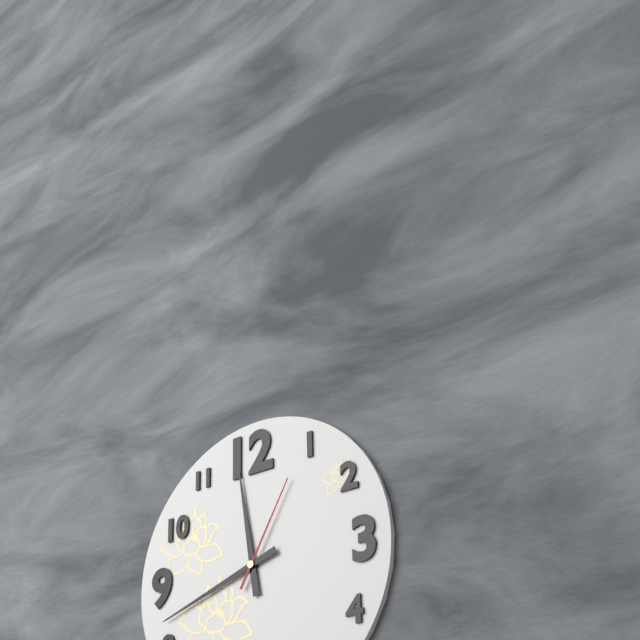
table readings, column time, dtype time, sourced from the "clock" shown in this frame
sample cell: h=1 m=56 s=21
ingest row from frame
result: h=11 m=42 s=5
